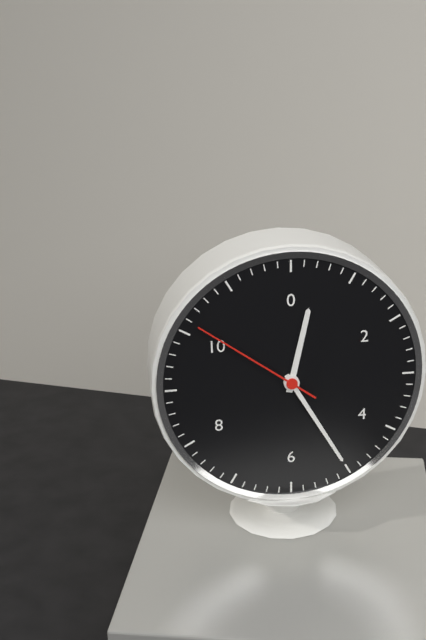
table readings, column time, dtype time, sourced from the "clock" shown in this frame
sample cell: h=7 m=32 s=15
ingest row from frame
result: h=12 m=25 s=51
